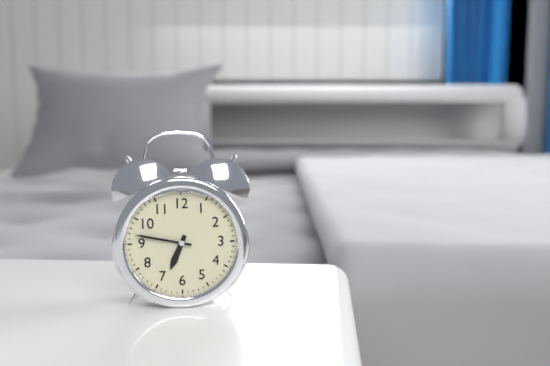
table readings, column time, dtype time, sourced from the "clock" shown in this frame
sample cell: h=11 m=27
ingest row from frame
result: h=6 m=47
